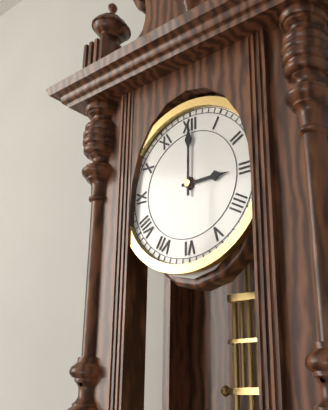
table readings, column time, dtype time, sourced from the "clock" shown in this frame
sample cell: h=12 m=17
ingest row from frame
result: h=3 m=0
